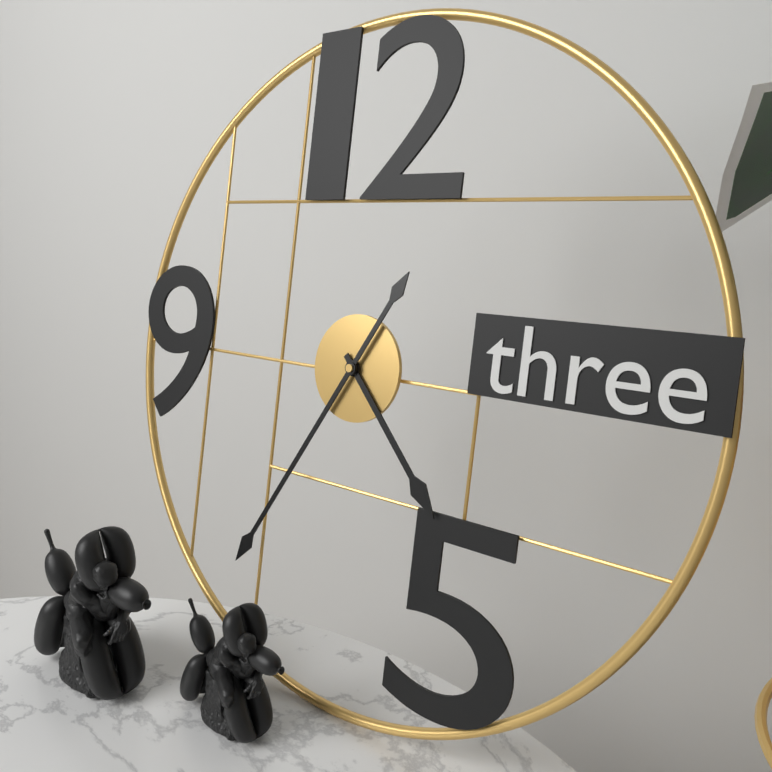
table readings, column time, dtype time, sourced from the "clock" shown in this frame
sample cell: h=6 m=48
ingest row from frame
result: h=4 m=35
